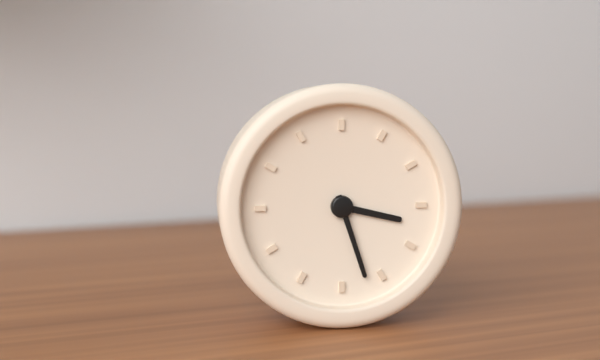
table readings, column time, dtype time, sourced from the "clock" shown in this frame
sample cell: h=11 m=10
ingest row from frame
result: h=3 m=27
